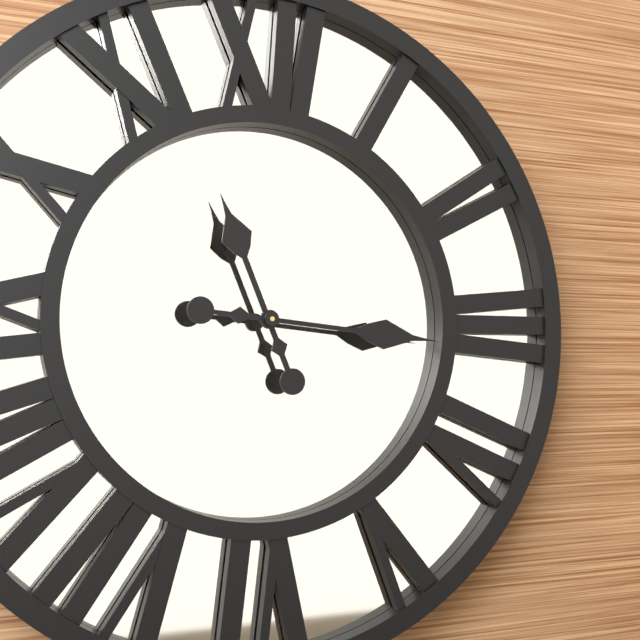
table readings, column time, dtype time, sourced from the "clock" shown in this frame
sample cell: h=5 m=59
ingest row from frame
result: h=11 m=16
